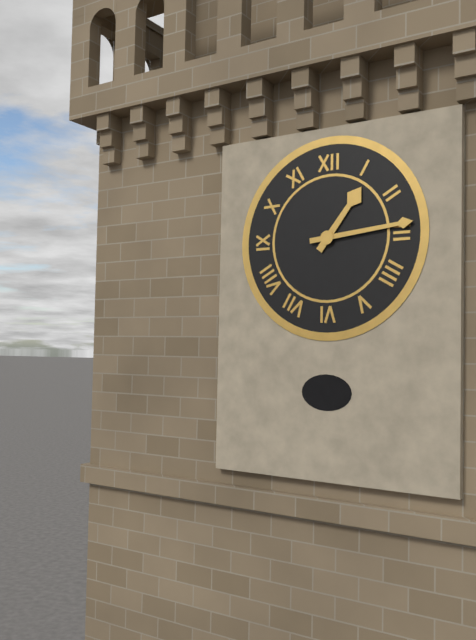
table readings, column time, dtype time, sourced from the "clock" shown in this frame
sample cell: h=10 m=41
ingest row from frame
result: h=1 m=14
